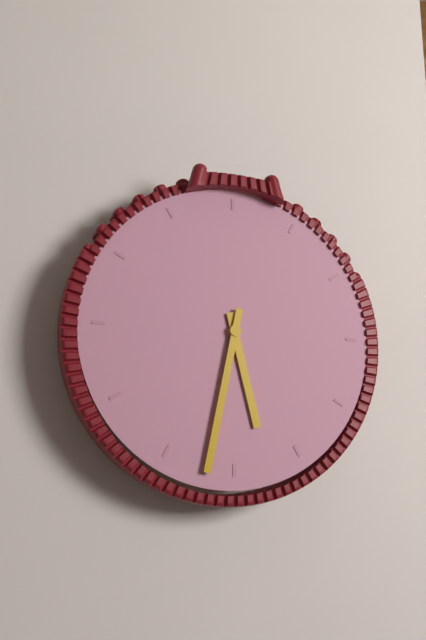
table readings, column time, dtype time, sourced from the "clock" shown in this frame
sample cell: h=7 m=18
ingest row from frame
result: h=5 m=32
